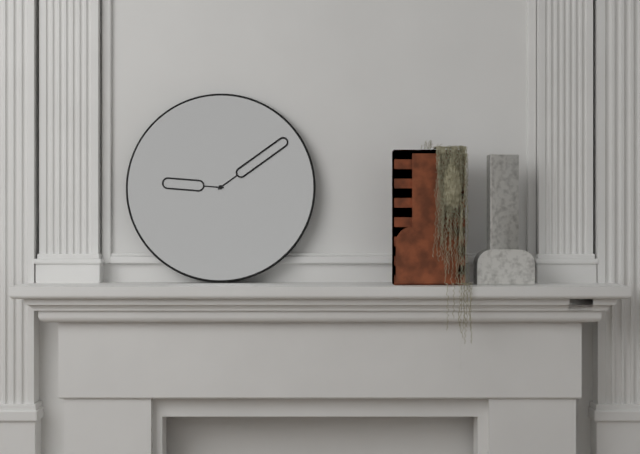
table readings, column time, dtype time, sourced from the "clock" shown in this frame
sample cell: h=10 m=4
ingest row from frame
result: h=9 m=9
